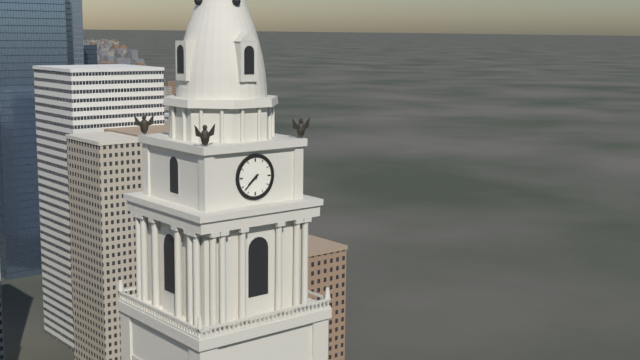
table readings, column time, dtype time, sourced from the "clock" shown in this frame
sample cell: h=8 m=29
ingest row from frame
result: h=7 m=38
